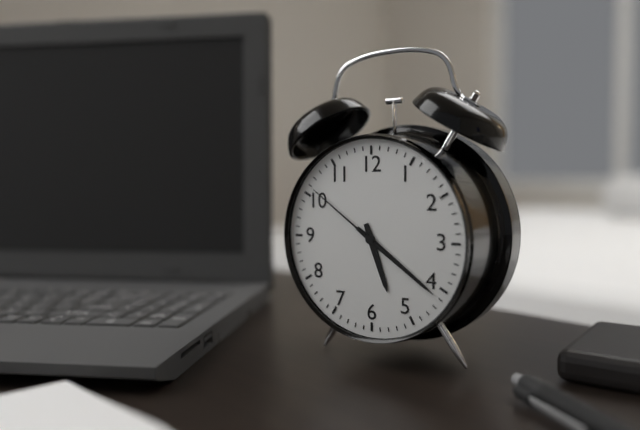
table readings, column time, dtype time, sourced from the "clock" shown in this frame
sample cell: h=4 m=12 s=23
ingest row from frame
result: h=5 m=21 s=51
